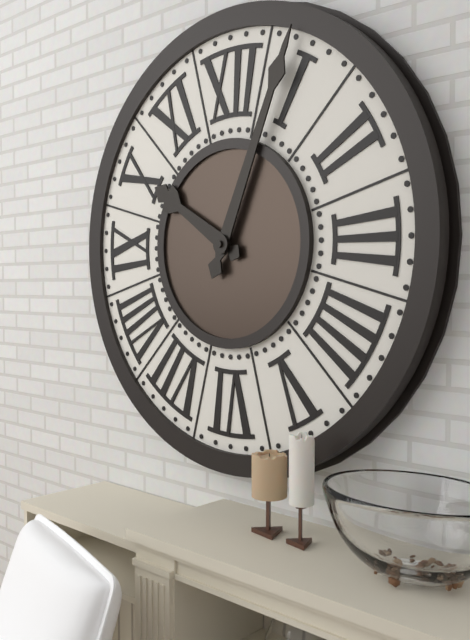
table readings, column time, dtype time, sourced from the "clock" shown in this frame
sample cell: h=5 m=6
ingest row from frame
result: h=10 m=4
